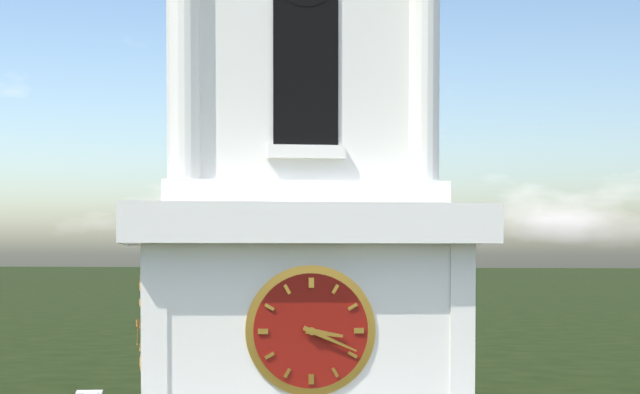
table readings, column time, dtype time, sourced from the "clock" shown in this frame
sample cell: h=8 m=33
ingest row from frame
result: h=3 m=19
